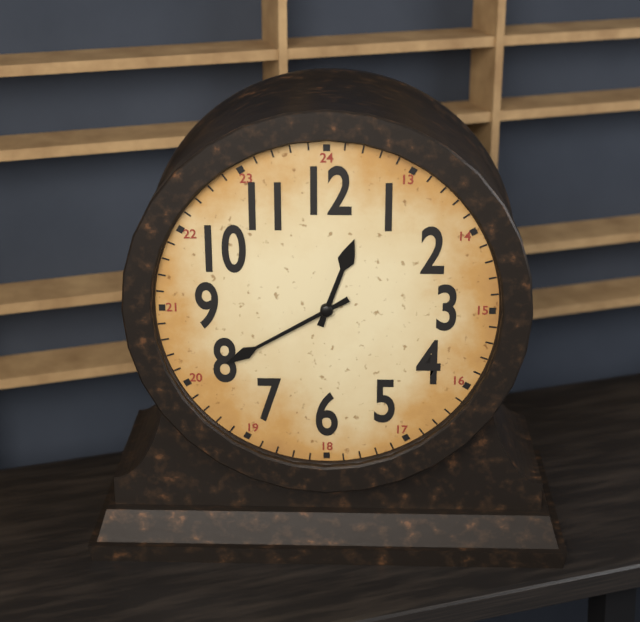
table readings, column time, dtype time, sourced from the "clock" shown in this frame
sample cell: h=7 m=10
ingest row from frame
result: h=12 m=40
